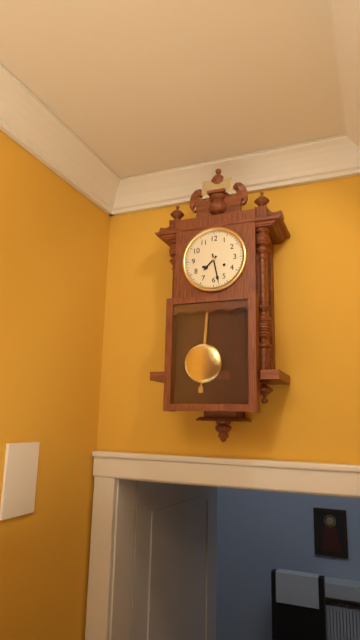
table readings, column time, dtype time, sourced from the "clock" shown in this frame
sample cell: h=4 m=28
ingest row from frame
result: h=7 m=28
